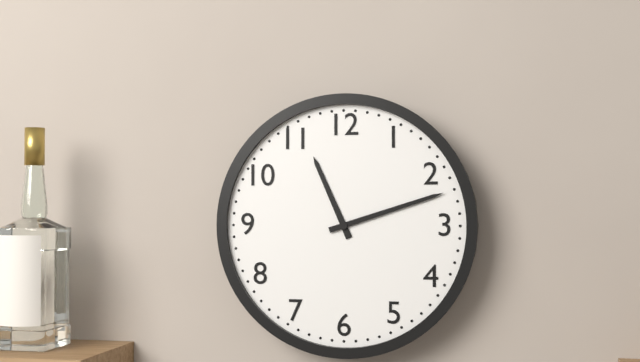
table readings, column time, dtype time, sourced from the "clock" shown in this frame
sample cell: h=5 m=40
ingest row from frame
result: h=11 m=12
